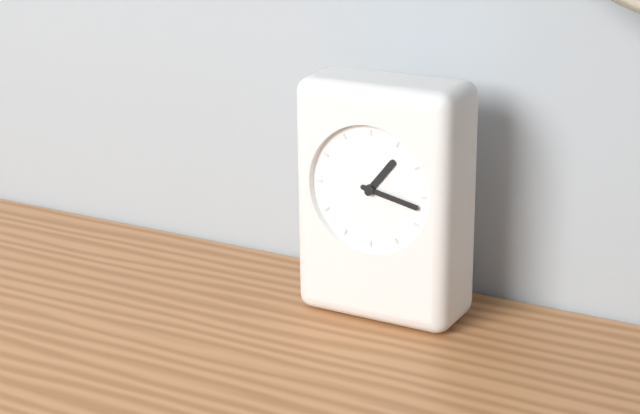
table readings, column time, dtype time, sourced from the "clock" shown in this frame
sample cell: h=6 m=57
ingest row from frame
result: h=1 m=17
